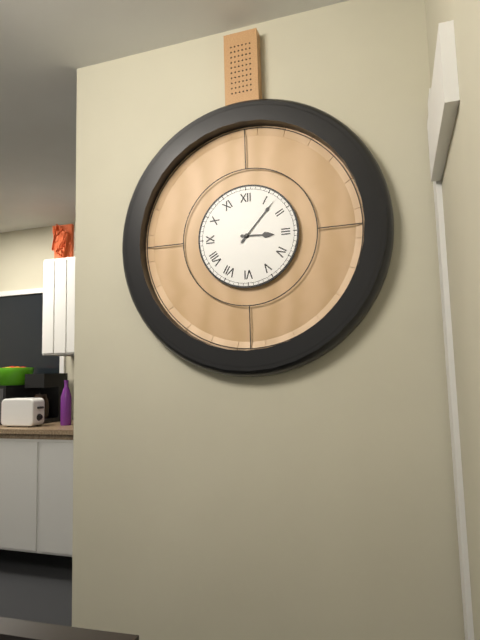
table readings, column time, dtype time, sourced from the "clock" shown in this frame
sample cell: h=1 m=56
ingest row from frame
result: h=3 m=7
